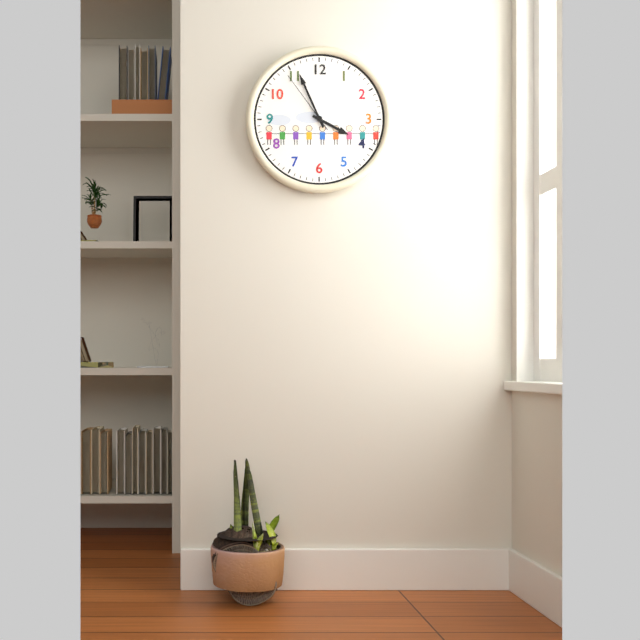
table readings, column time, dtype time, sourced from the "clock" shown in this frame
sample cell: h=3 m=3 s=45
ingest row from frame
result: h=3 m=56 s=54
